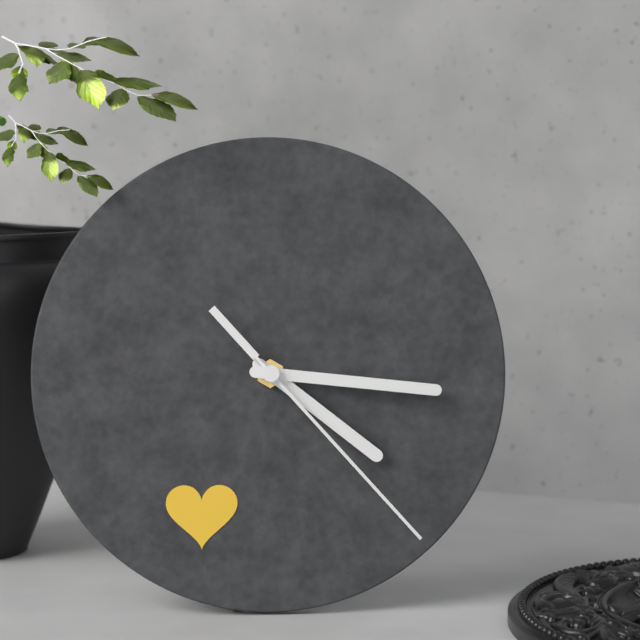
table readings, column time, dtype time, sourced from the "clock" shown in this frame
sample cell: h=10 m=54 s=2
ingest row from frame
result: h=4 m=16 s=23
